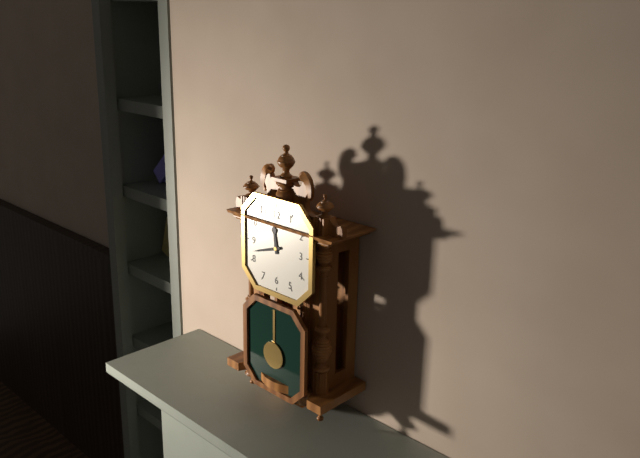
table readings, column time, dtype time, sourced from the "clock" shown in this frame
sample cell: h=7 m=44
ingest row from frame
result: h=11 m=42
